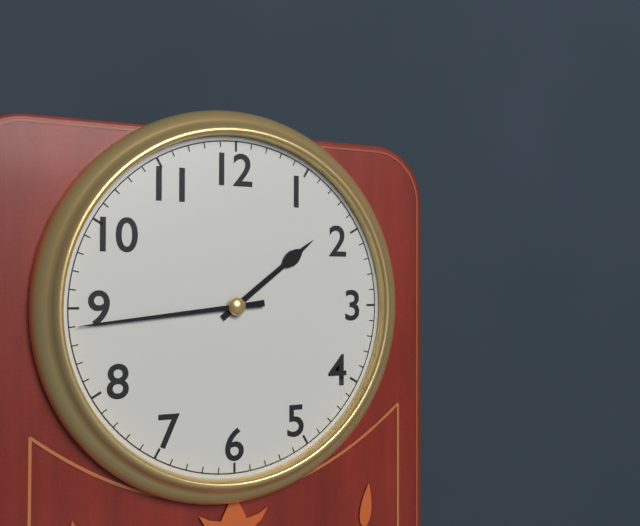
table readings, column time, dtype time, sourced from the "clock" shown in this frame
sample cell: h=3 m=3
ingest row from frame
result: h=1 m=44
